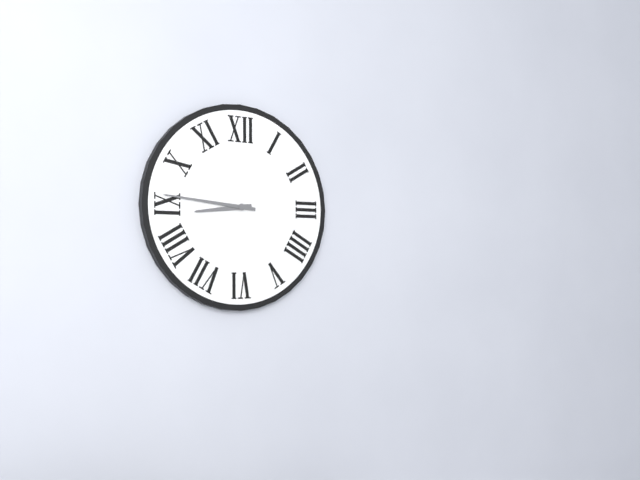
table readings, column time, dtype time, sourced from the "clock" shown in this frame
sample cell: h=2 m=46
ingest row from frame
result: h=8 m=46
